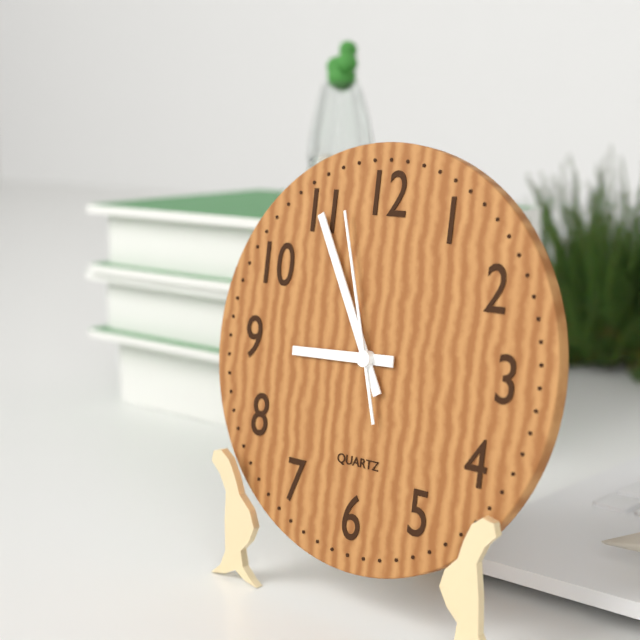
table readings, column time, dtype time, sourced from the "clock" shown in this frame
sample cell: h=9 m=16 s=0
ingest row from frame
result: h=8 m=55 s=57
